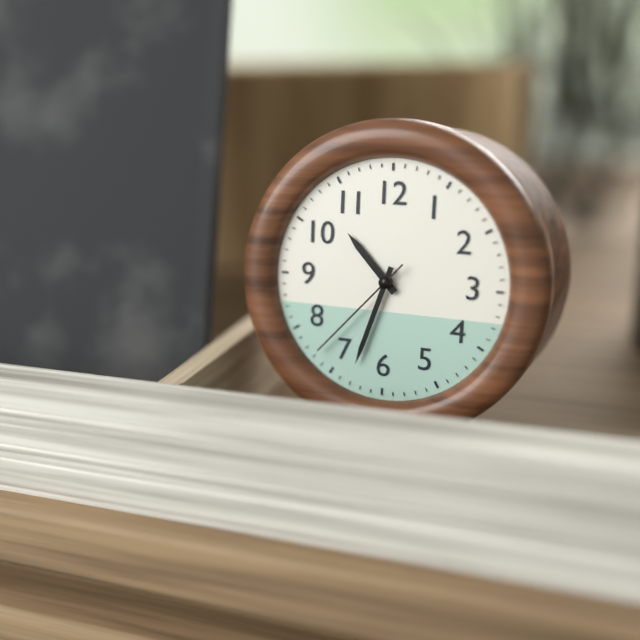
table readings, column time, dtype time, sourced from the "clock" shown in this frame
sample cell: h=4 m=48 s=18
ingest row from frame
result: h=10 m=33 s=37
